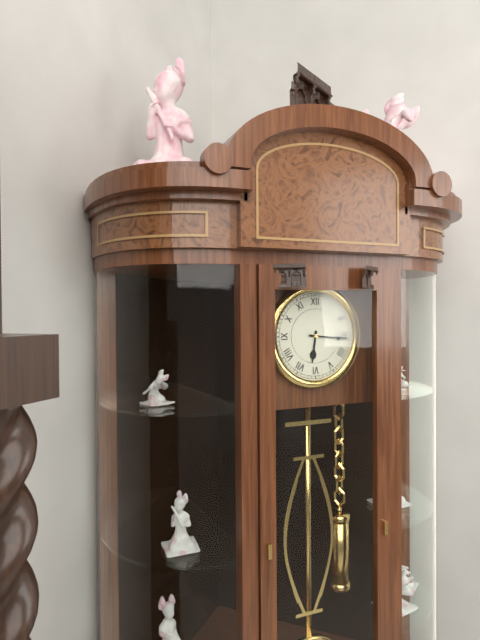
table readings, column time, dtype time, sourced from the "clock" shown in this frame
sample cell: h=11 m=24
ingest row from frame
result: h=6 m=16
